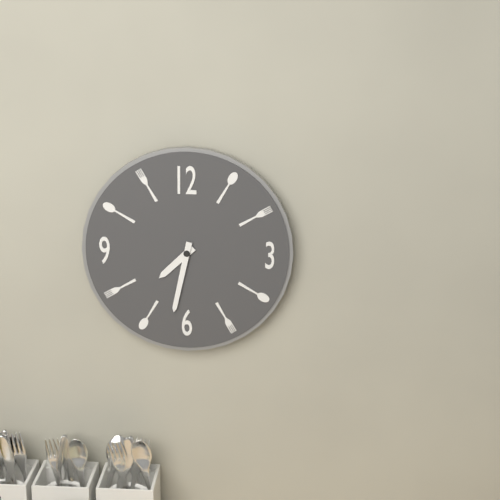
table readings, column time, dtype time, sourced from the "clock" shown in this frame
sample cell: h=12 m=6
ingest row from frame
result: h=7 m=32
